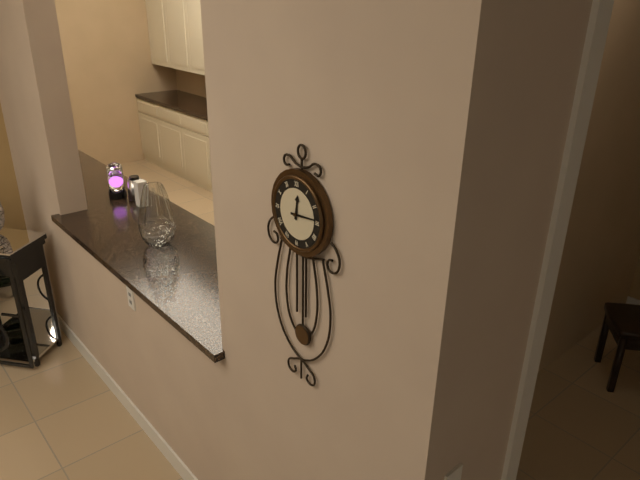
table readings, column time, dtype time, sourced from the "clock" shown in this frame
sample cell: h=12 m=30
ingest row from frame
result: h=12 m=14
